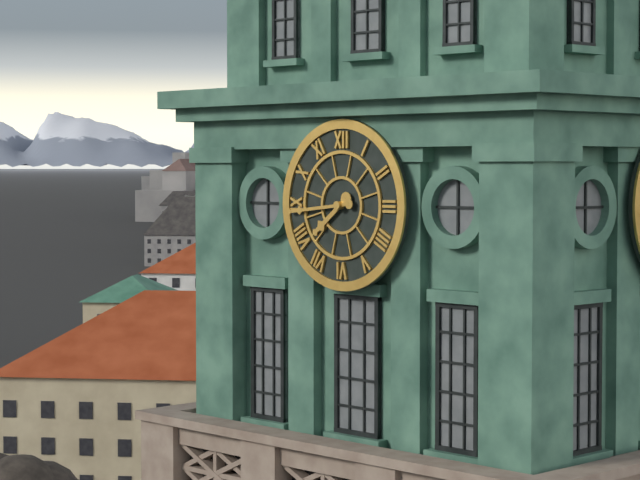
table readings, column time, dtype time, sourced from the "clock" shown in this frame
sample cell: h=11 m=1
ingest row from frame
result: h=7 m=44
